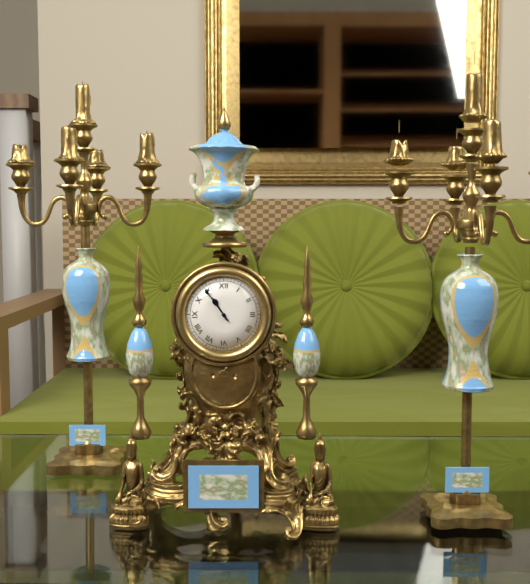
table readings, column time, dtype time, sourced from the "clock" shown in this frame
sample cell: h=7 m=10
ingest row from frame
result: h=10 m=54
